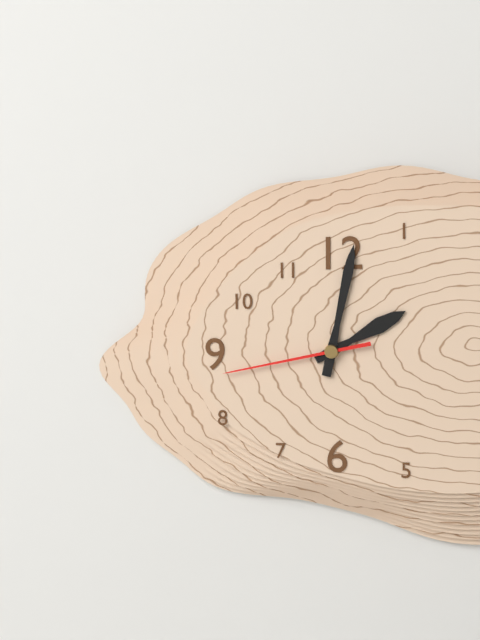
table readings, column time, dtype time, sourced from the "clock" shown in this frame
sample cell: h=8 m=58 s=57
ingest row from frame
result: h=2 m=2 s=43
